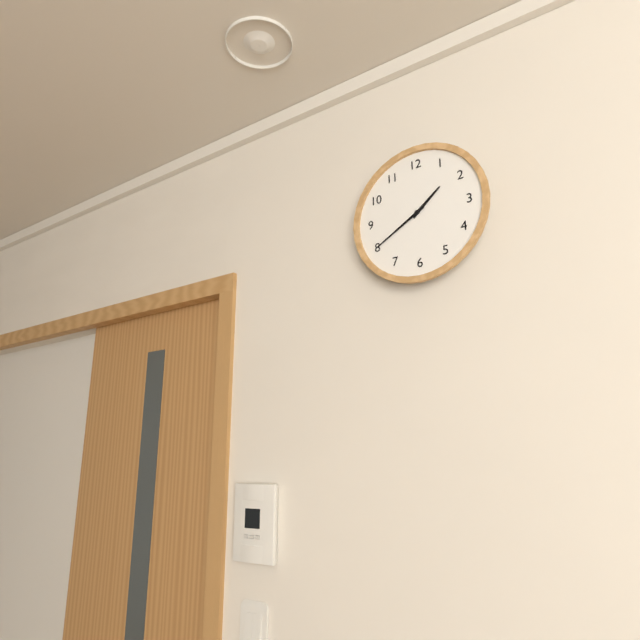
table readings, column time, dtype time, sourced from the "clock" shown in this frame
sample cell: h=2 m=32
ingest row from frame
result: h=1 m=40
